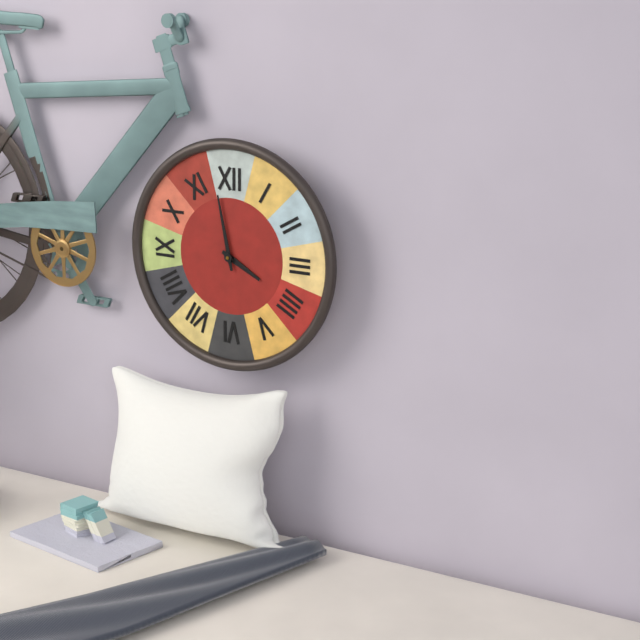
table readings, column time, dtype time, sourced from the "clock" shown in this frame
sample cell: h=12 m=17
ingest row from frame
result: h=3 m=58
